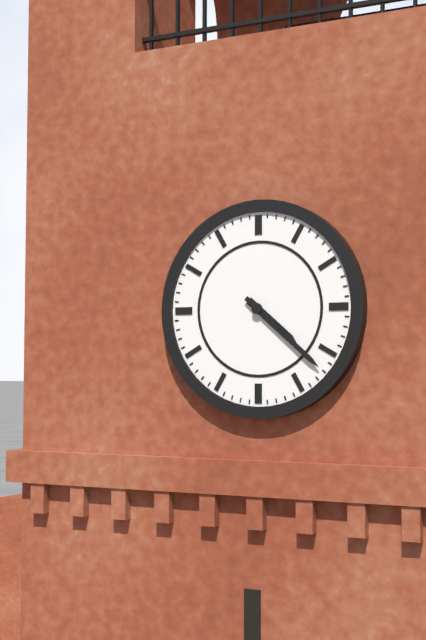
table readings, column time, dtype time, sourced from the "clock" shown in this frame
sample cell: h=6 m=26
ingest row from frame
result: h=4 m=22
